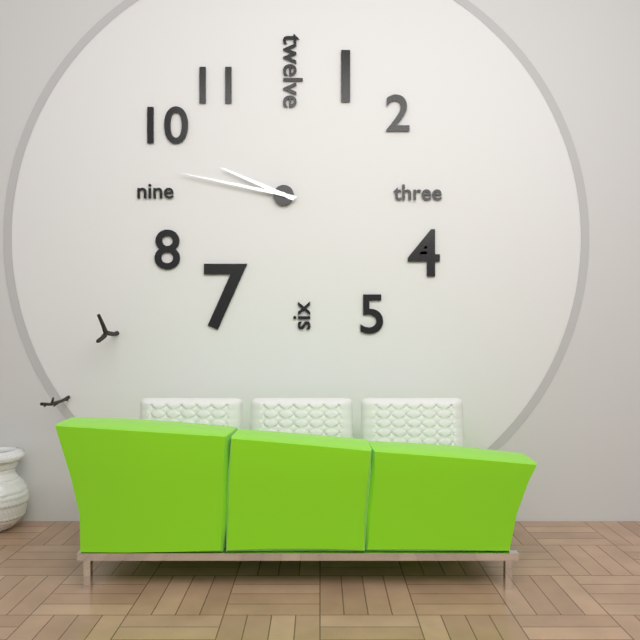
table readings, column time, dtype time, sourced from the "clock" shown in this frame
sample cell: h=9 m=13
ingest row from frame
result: h=9 m=47
